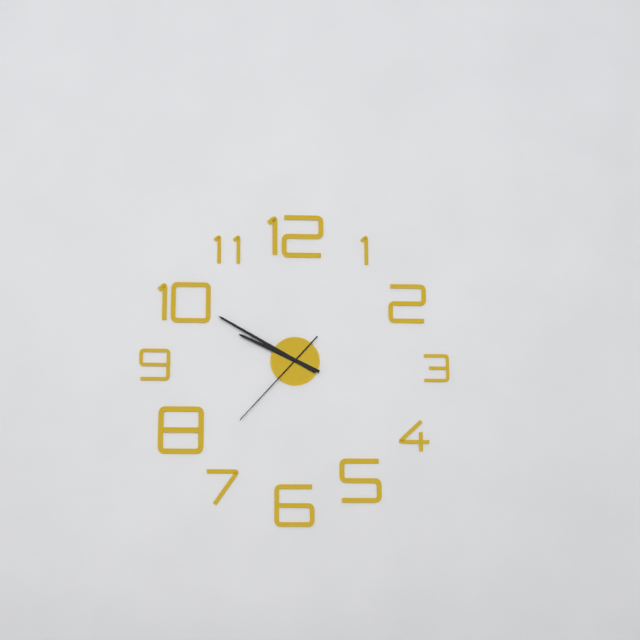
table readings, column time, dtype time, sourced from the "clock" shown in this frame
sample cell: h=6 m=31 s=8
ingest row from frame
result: h=9 m=50 s=37
